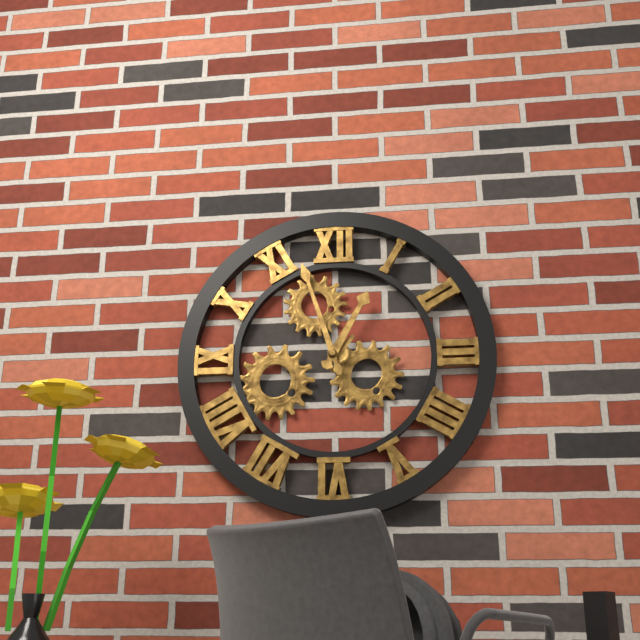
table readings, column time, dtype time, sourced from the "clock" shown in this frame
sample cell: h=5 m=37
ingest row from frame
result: h=12 m=57
